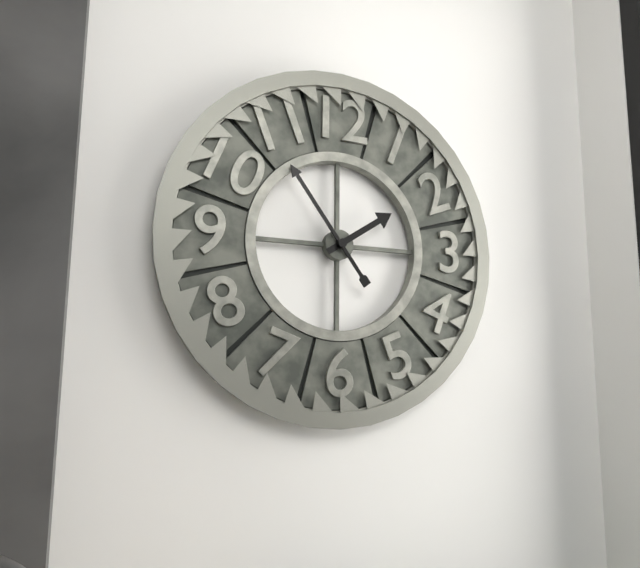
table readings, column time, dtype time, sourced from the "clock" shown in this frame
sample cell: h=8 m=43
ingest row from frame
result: h=1 m=54
